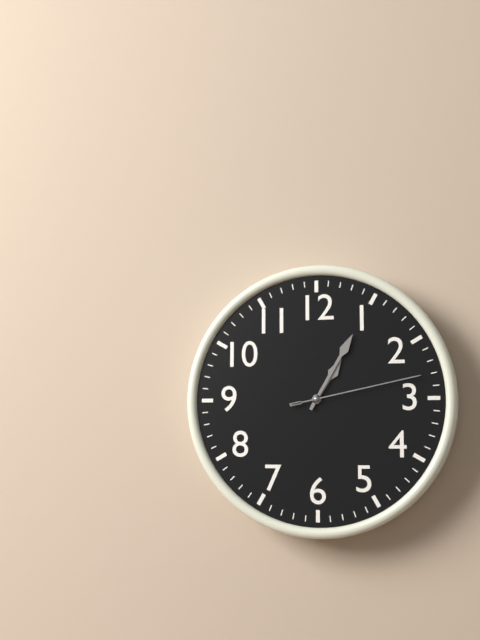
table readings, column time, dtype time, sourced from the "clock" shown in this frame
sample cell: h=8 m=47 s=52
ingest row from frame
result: h=1 m=5 s=13
